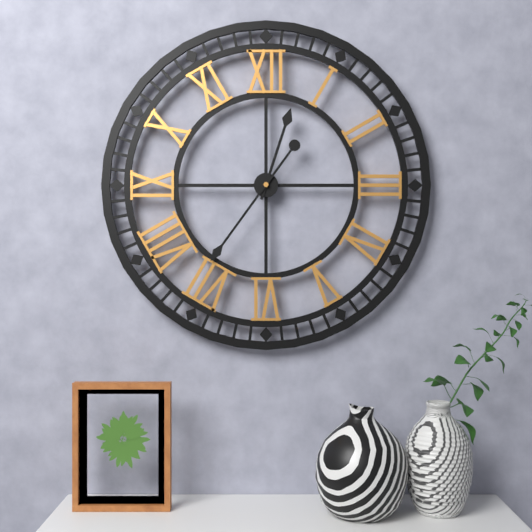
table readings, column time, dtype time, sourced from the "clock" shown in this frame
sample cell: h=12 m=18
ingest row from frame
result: h=12 m=36
